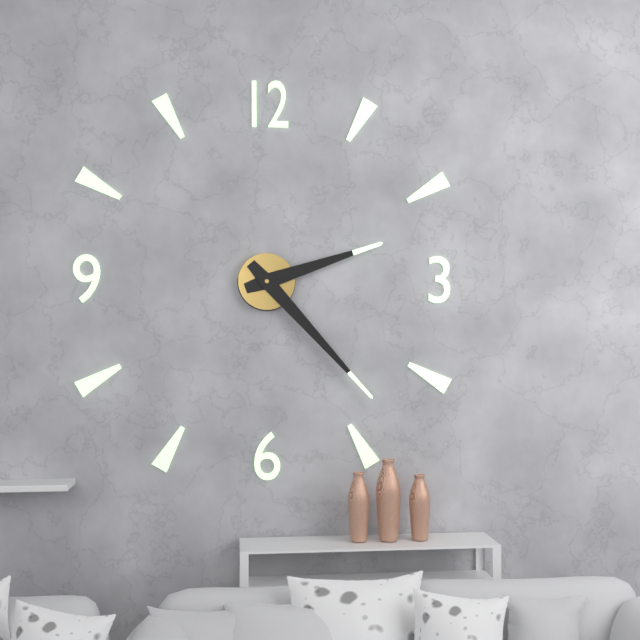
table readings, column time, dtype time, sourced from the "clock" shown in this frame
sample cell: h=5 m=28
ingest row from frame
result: h=2 m=23
